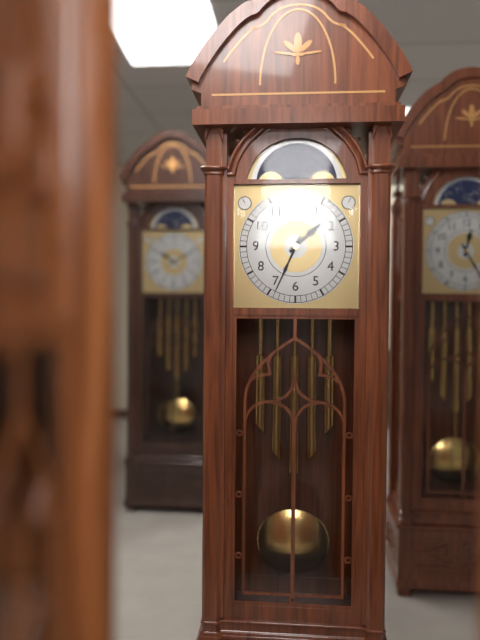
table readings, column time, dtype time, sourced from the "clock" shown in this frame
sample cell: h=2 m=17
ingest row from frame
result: h=1 m=34
